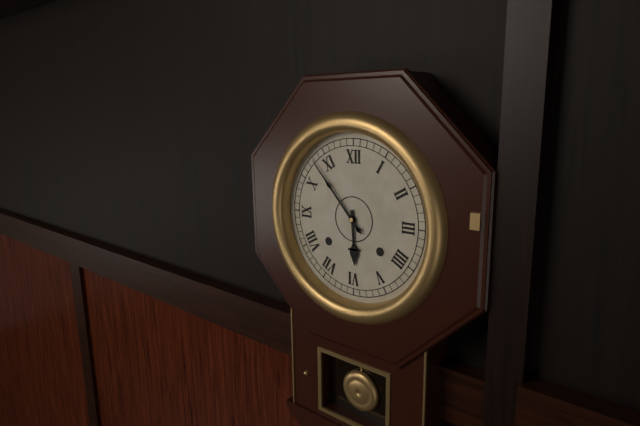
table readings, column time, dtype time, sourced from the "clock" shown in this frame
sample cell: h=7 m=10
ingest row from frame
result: h=5 m=53
